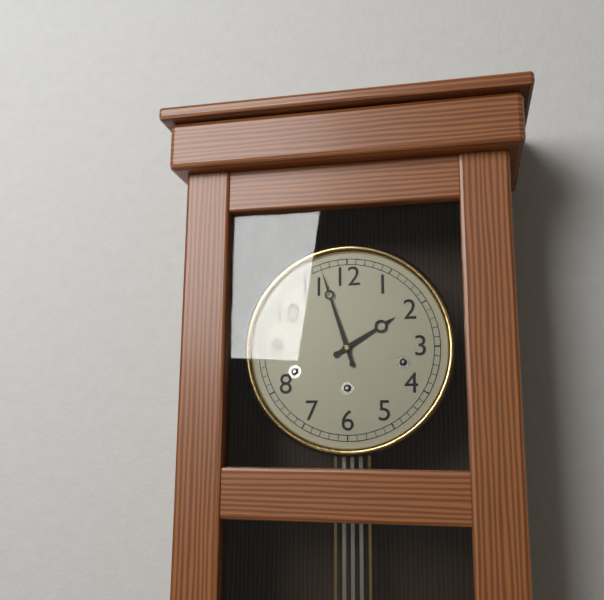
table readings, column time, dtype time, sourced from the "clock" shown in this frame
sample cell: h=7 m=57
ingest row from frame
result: h=1 m=57
